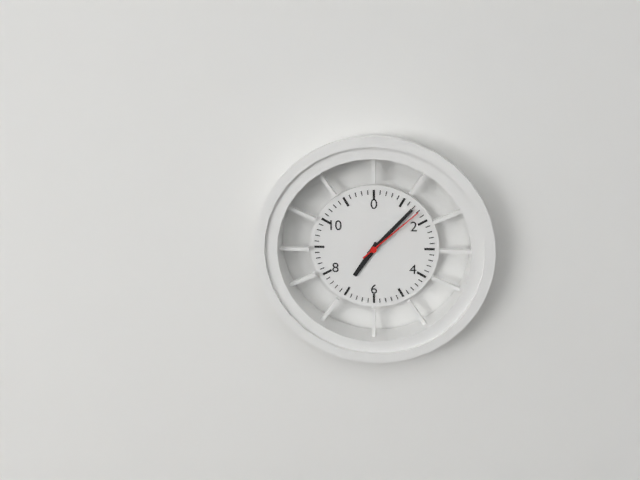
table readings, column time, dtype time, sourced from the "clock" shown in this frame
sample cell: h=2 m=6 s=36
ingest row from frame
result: h=7 m=7 s=8
